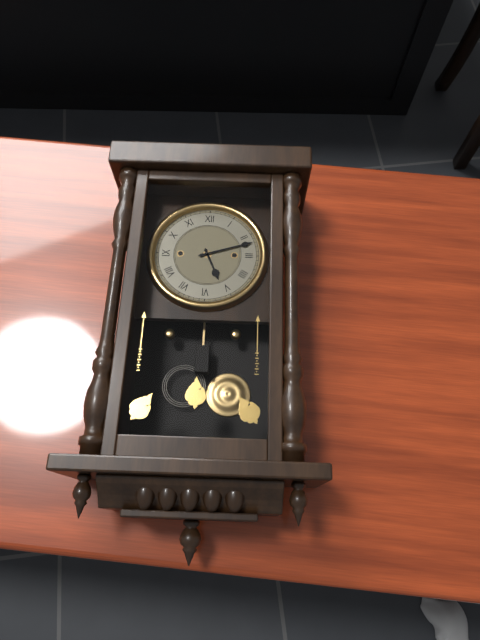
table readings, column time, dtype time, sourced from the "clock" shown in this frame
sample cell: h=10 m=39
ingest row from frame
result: h=5 m=12
